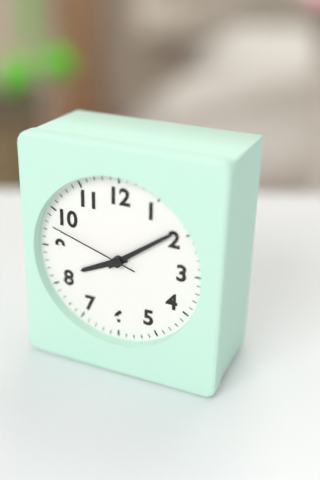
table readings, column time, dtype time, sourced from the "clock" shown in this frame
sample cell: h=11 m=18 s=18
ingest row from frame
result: h=8 m=9 s=48
